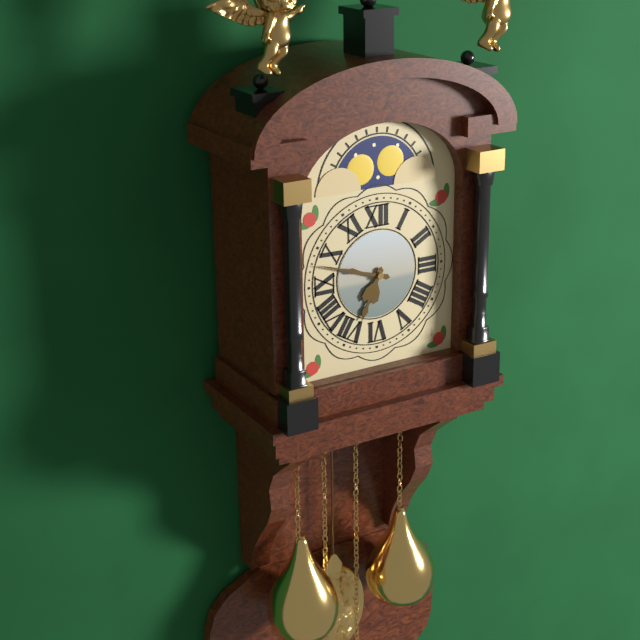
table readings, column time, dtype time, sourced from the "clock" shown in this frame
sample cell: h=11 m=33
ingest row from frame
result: h=6 m=48
